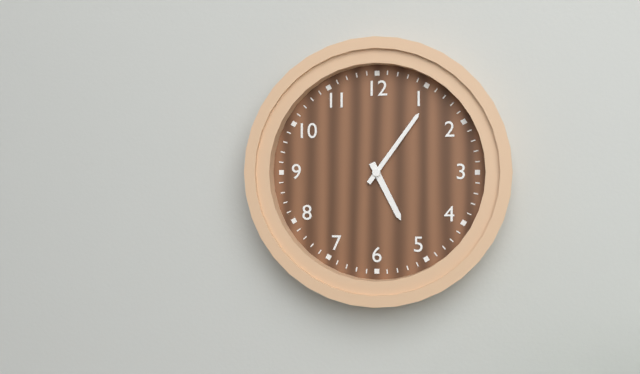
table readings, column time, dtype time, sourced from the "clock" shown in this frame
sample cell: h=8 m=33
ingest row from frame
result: h=5 m=6
